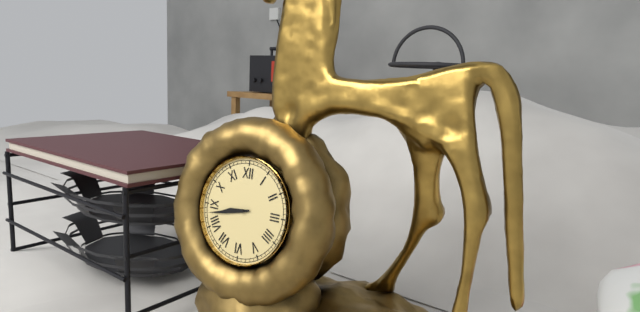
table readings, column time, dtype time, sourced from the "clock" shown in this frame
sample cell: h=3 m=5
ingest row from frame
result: h=8 m=43
